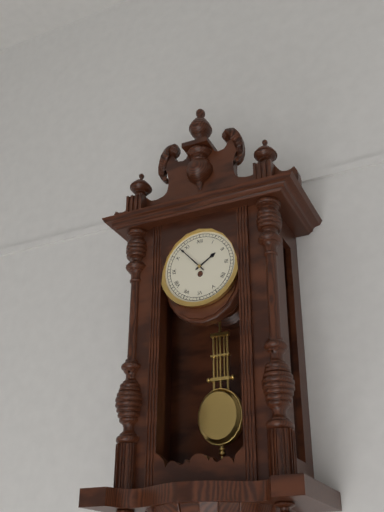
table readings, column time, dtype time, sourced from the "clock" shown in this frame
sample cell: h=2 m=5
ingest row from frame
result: h=1 m=53
